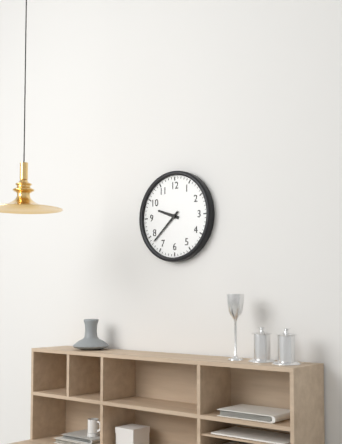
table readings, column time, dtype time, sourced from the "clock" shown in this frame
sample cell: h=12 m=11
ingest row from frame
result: h=9 m=38
